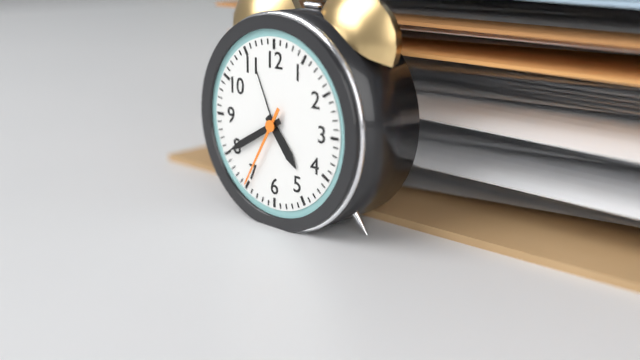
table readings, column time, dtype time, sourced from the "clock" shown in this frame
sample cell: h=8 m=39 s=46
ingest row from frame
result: h=4 m=40 s=35
